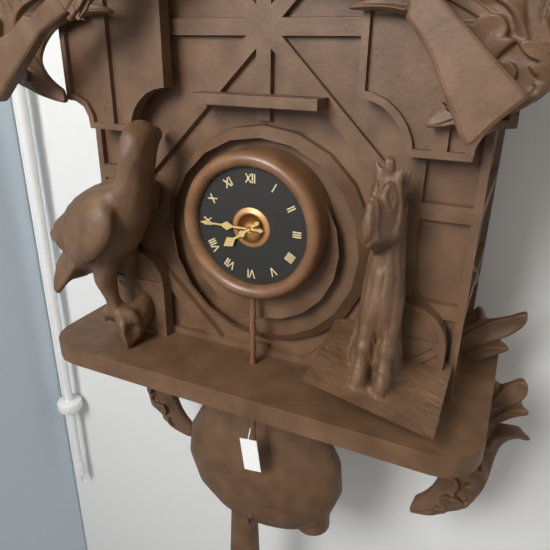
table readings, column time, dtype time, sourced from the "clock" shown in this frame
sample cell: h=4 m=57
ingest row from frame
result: h=7 m=45
